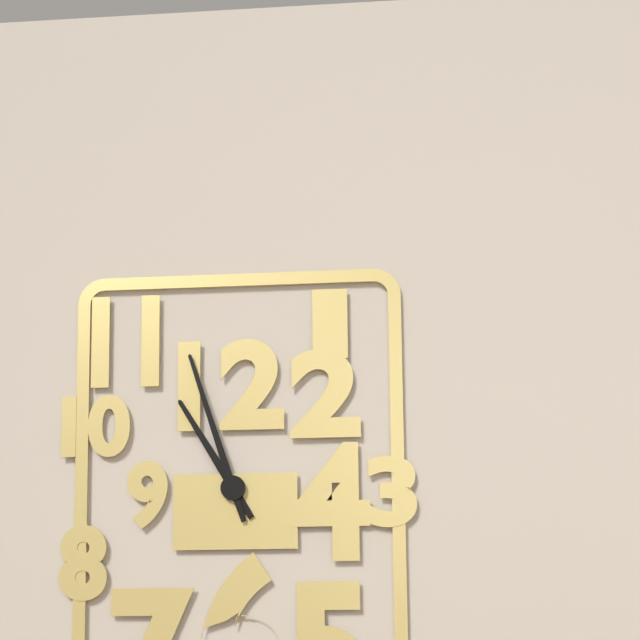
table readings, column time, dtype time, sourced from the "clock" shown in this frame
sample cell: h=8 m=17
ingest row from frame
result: h=10 m=57
